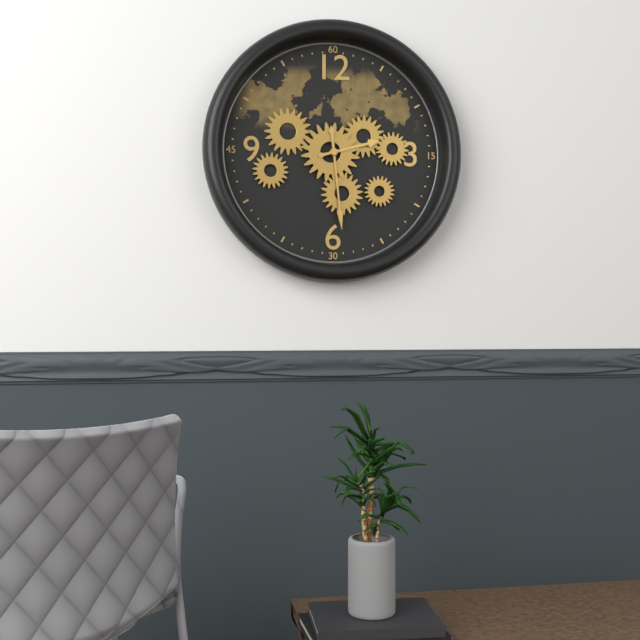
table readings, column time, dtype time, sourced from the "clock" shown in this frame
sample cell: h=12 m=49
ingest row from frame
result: h=2 m=29
